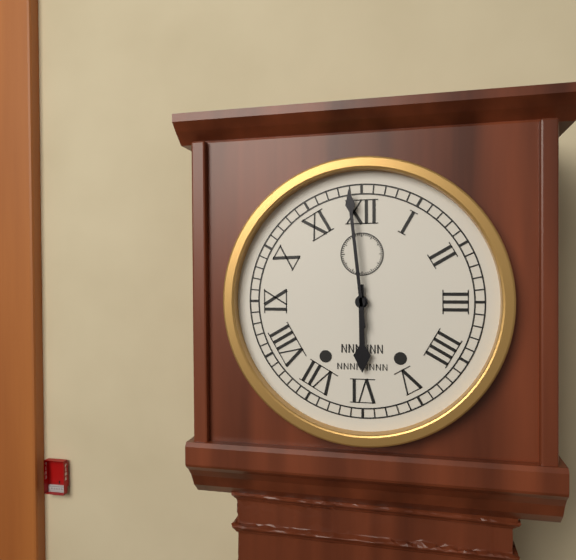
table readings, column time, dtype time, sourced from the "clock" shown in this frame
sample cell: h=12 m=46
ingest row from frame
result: h=5 m=59
